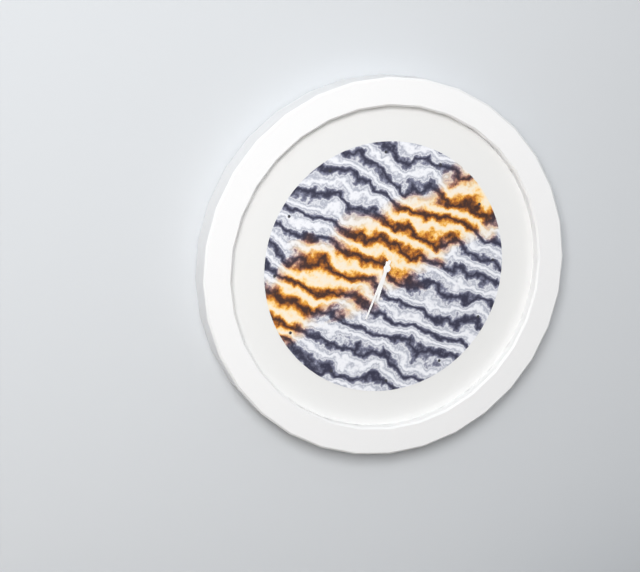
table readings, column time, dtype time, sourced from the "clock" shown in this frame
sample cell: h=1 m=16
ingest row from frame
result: h=6 m=34
